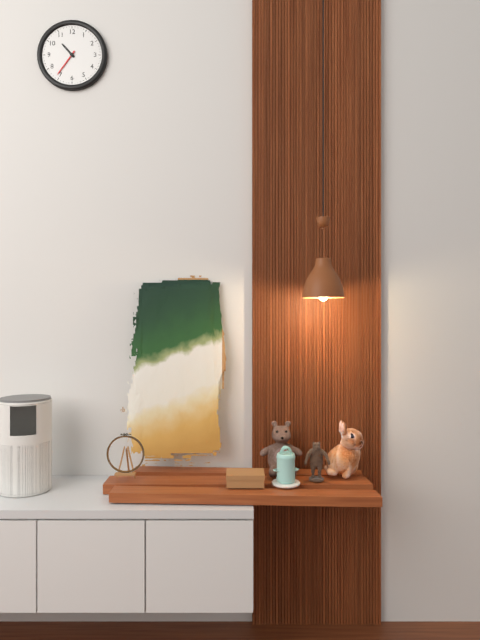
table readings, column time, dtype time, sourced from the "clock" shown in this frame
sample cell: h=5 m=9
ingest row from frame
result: h=10 m=36
